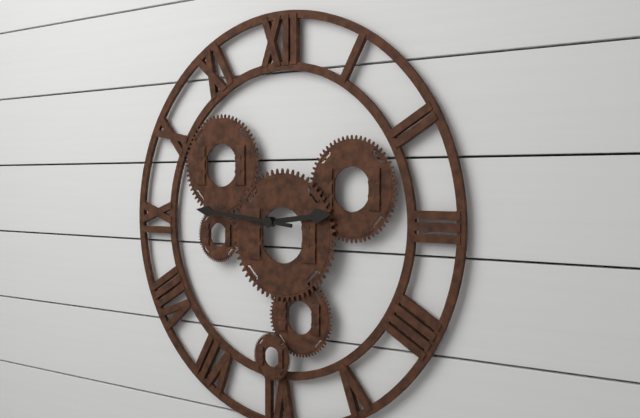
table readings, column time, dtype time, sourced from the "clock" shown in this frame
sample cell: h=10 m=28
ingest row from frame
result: h=2 m=46
